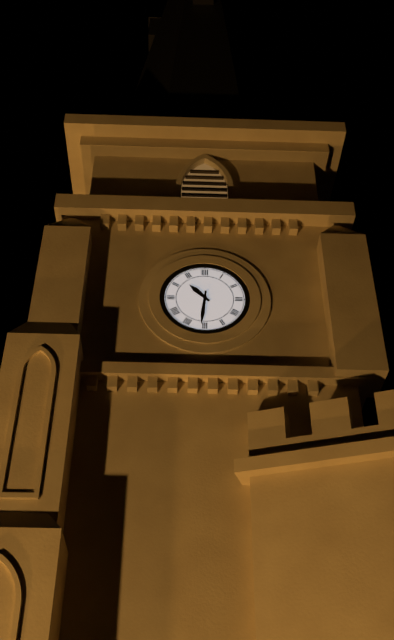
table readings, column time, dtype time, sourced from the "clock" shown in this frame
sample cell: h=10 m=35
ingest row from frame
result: h=10 m=31
